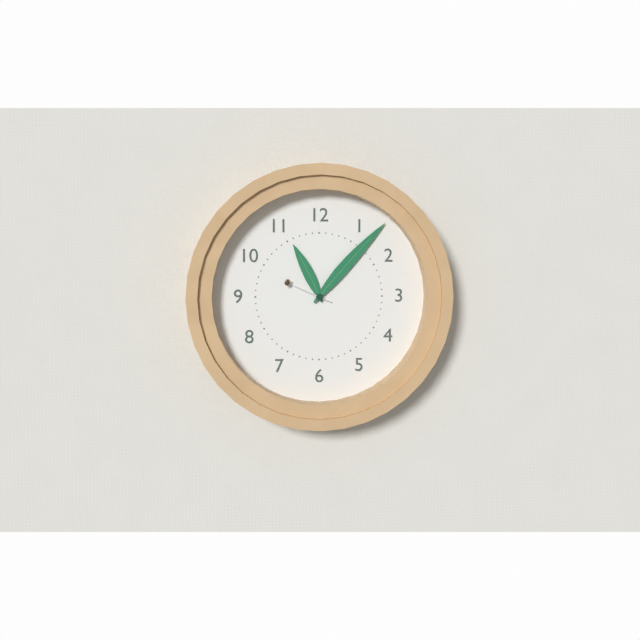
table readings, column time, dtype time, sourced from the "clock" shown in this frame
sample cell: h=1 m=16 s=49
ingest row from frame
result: h=11 m=7 s=49
